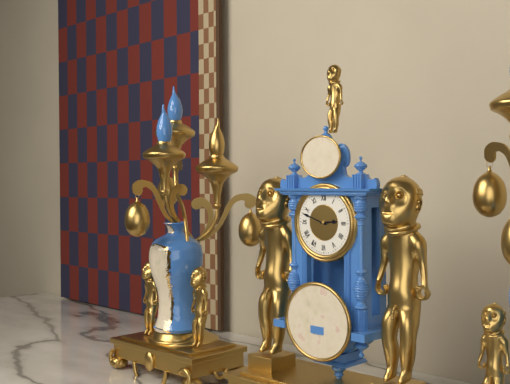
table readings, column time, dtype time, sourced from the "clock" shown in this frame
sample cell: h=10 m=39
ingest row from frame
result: h=2 m=48
